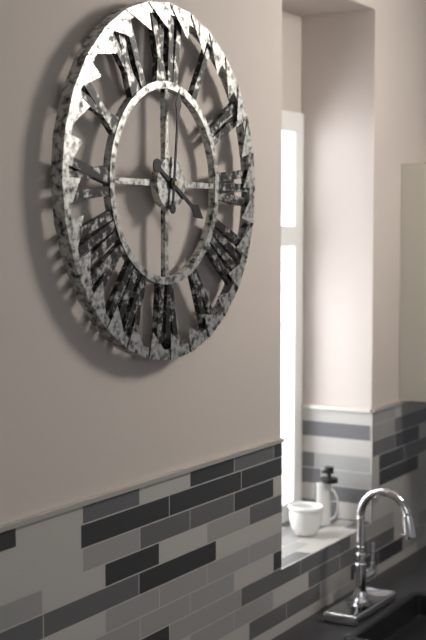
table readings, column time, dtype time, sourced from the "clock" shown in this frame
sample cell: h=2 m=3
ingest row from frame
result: h=4 m=1
